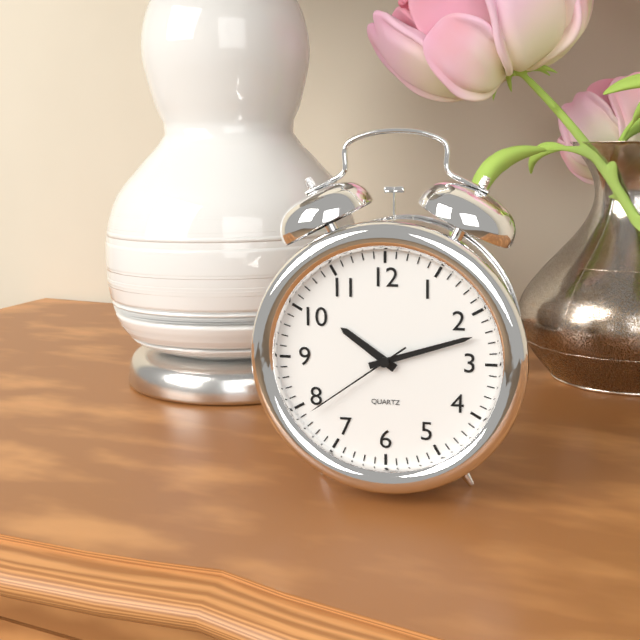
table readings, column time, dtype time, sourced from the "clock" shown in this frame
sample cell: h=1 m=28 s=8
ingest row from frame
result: h=10 m=12 s=39
